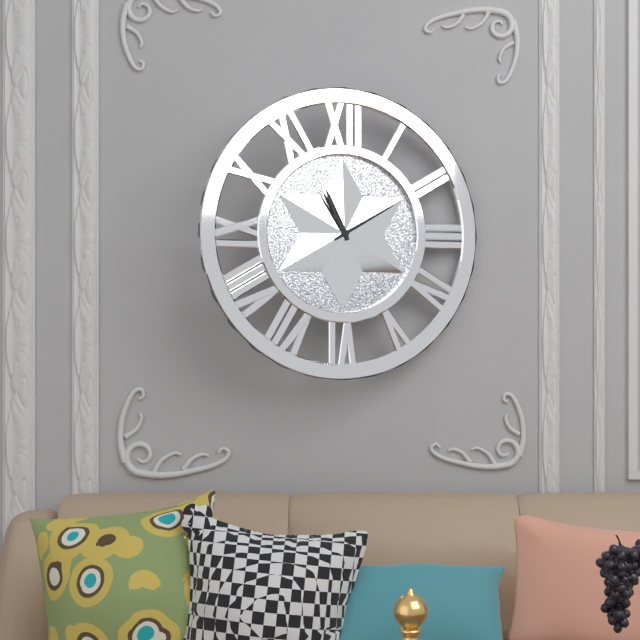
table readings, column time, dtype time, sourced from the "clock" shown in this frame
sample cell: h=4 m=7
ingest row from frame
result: h=11 m=10
